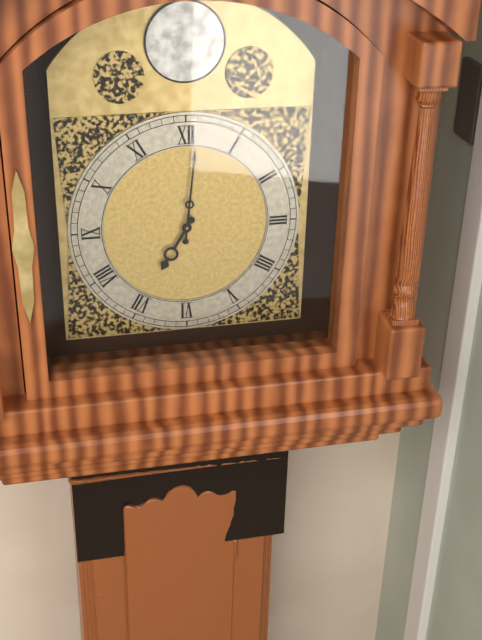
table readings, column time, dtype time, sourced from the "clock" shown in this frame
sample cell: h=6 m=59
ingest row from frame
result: h=7 m=1
